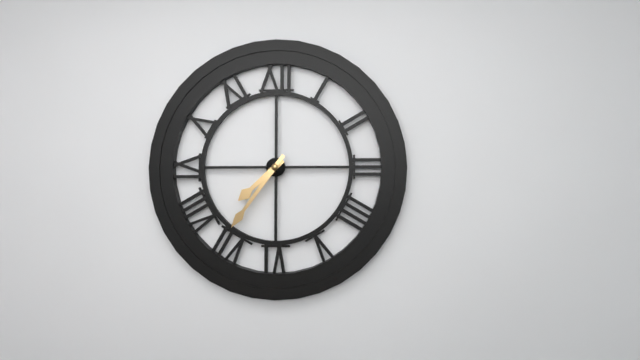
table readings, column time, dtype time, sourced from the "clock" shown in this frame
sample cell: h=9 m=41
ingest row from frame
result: h=7 m=36
